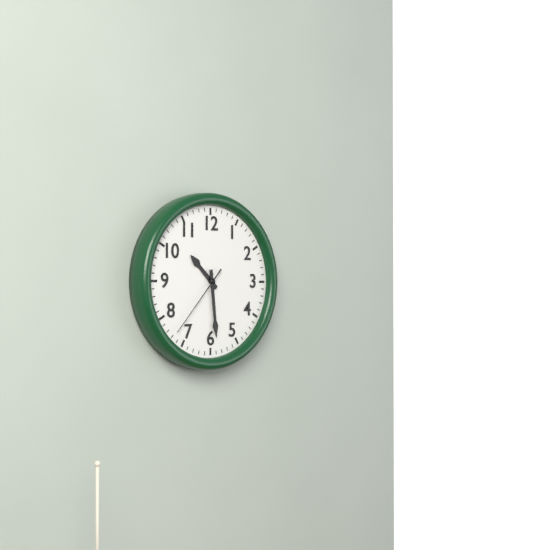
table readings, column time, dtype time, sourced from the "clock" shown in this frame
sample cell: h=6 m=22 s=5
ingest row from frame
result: h=10 m=29 s=37
